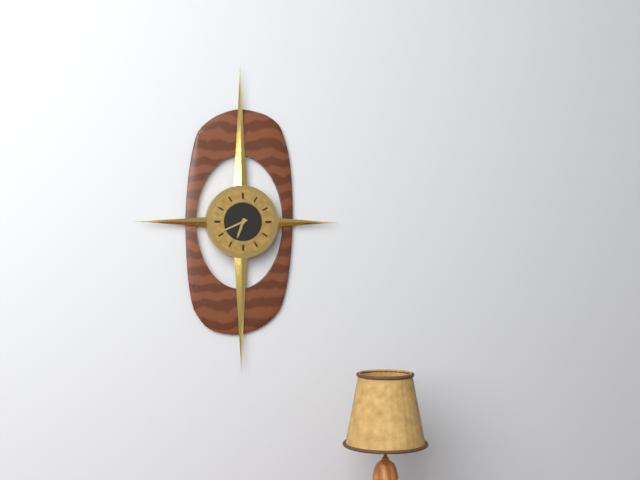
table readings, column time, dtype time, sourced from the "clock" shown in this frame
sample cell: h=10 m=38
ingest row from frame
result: h=6 m=41
